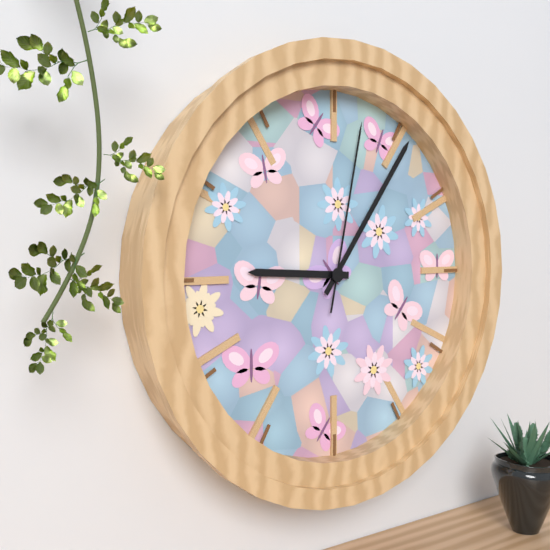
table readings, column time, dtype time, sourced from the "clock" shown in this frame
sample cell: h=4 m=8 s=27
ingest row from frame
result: h=9 m=6 s=2
